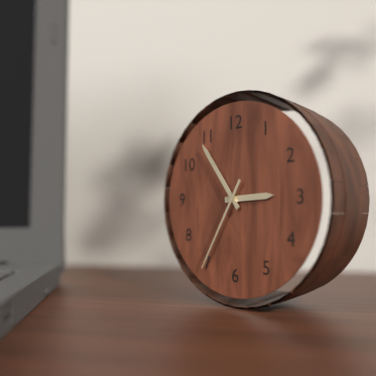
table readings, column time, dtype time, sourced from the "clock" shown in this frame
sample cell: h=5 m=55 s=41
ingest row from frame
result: h=2 m=54 s=35
